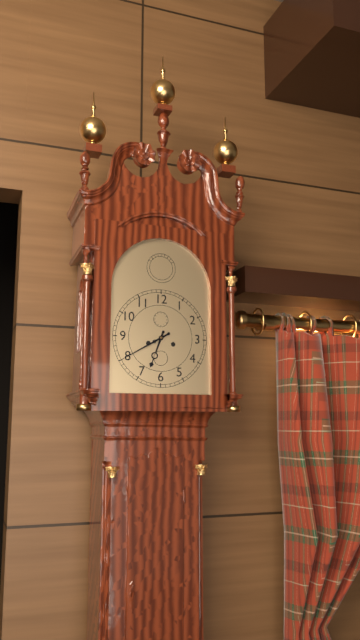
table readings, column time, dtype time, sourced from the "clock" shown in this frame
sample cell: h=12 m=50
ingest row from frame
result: h=6 m=40
